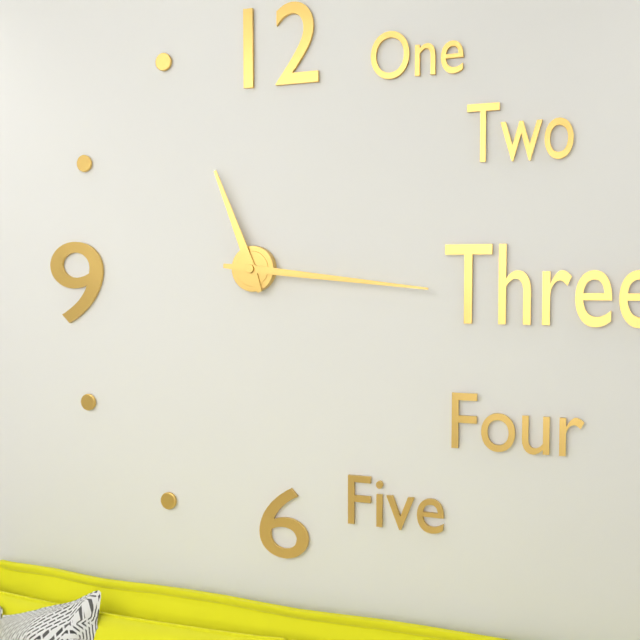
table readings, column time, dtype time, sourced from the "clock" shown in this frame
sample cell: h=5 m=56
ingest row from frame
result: h=11 m=16
